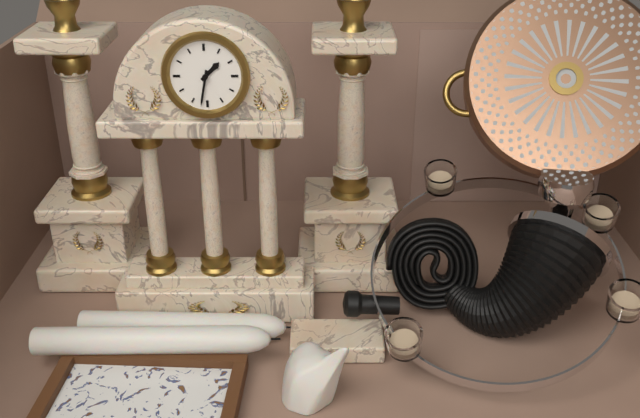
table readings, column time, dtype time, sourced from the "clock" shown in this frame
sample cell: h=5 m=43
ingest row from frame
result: h=1 m=32
